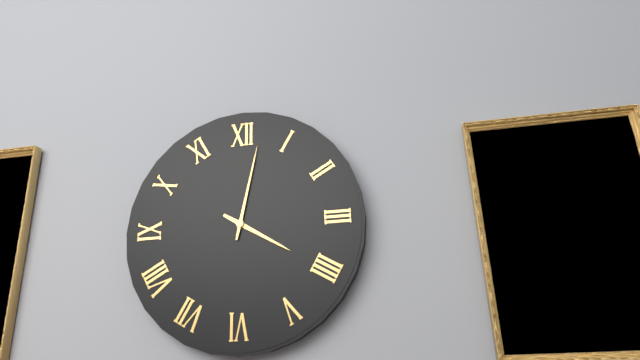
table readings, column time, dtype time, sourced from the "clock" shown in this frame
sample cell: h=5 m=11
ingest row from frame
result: h=4 m=2
